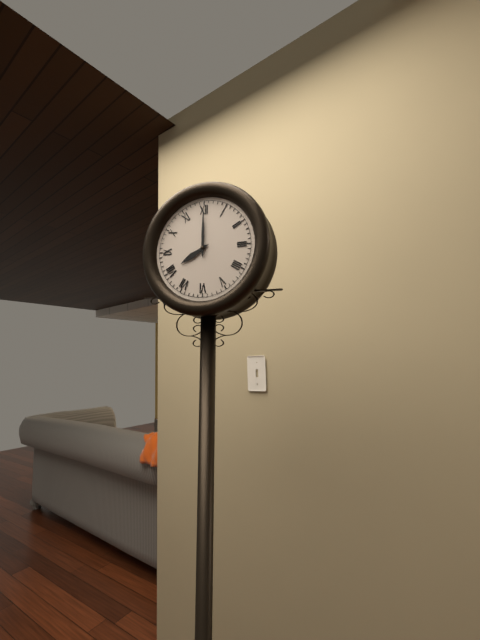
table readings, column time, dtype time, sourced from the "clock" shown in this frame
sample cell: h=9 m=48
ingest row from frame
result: h=8 m=0
